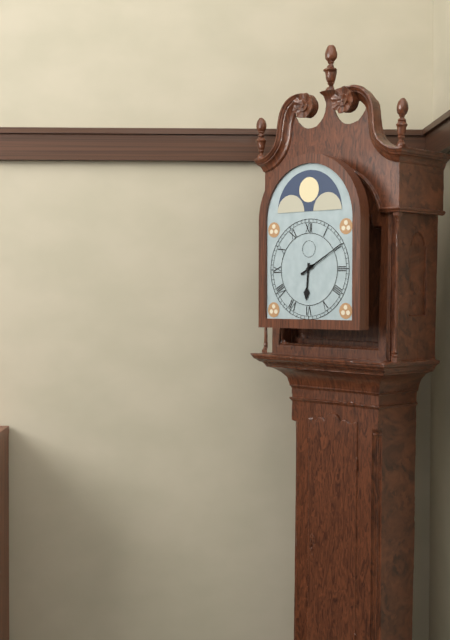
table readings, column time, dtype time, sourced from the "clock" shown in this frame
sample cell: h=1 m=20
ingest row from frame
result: h=6 m=10
